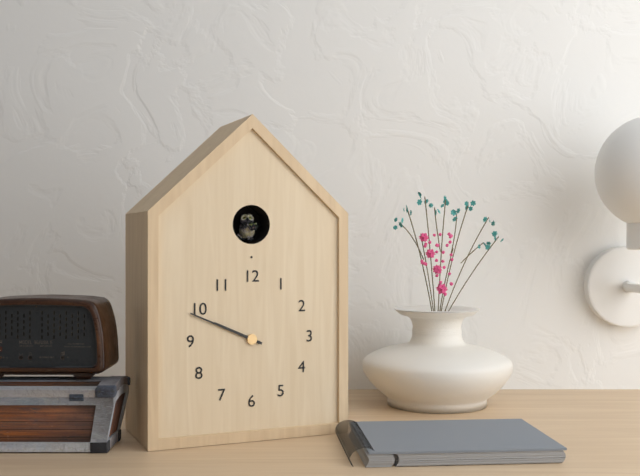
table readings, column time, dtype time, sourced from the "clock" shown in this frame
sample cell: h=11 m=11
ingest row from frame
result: h=9 m=49
